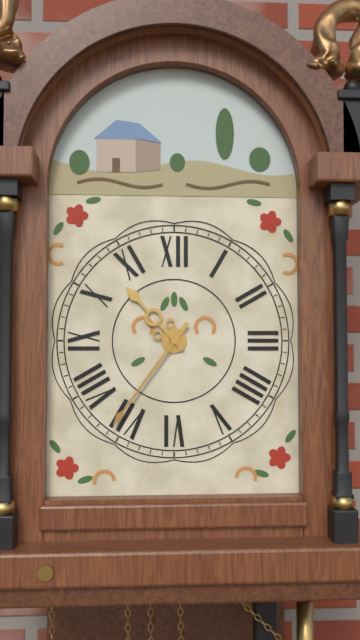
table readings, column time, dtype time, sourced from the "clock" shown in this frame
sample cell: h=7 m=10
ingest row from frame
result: h=10 m=36
